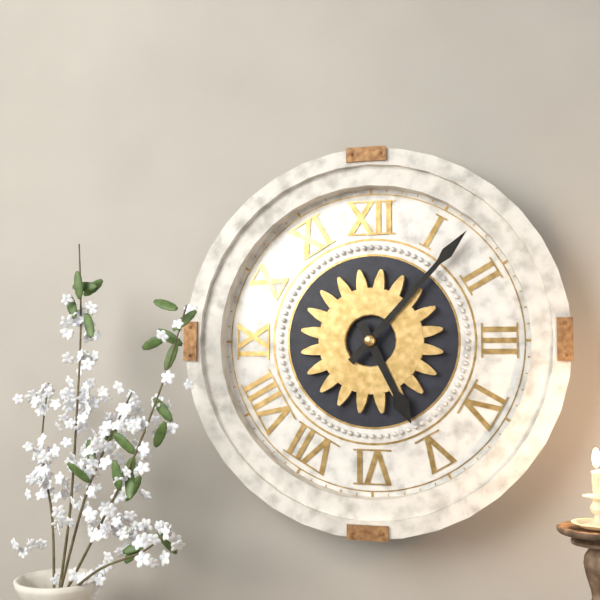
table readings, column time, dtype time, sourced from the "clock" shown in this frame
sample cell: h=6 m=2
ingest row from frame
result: h=5 m=7
